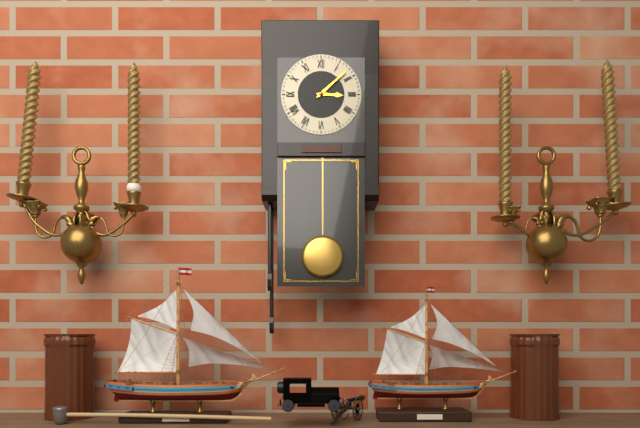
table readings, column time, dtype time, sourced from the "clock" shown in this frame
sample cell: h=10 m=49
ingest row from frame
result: h=3 m=8
